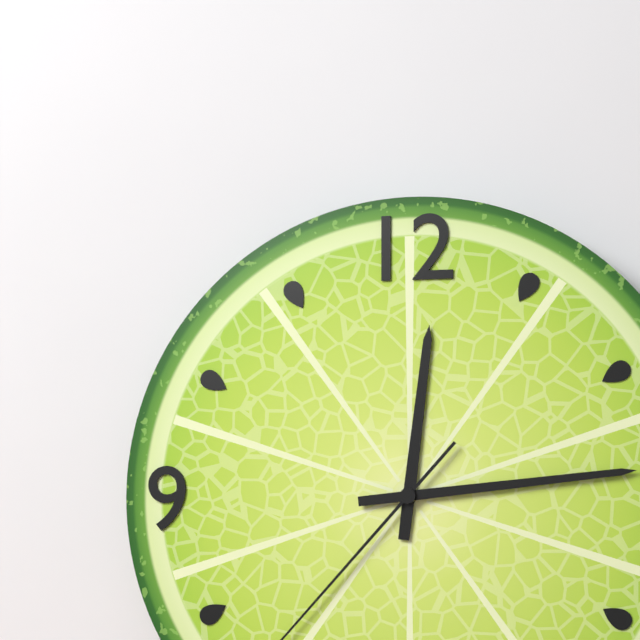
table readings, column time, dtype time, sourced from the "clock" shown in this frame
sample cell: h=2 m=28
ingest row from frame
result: h=12 m=14
